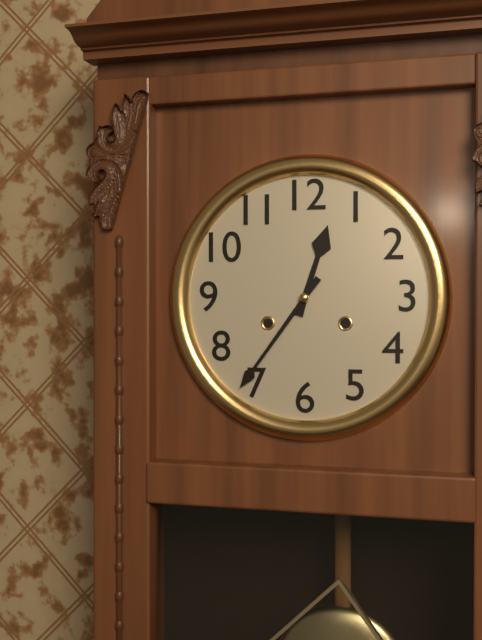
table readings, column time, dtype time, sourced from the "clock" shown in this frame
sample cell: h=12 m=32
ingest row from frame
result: h=12 m=36
